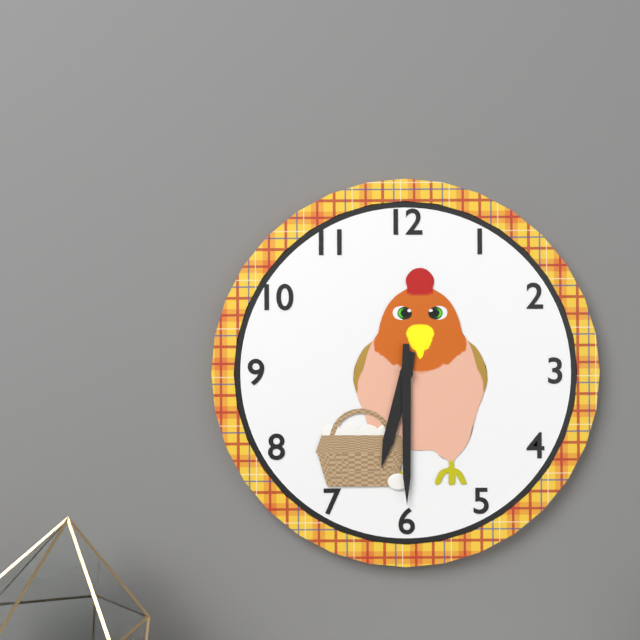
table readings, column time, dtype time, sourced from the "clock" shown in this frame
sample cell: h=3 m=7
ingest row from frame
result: h=6 m=30
